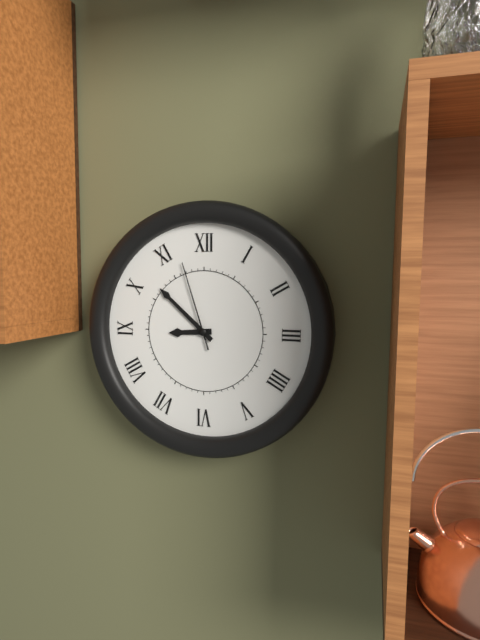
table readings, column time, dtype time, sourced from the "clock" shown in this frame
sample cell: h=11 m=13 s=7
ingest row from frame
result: h=8 m=52 s=57
